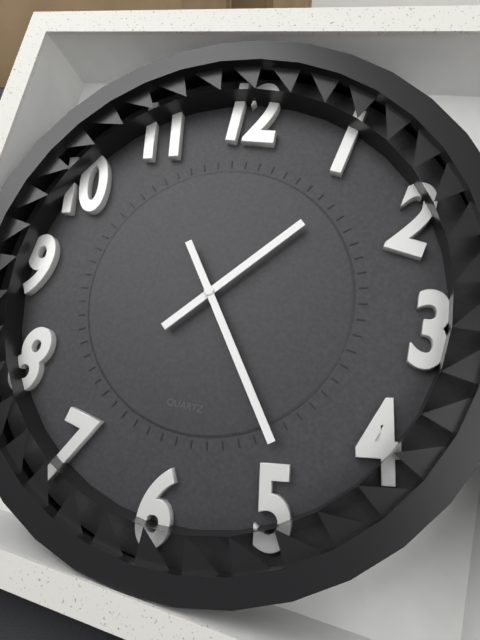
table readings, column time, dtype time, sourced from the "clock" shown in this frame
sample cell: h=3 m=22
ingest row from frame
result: h=1 m=24
